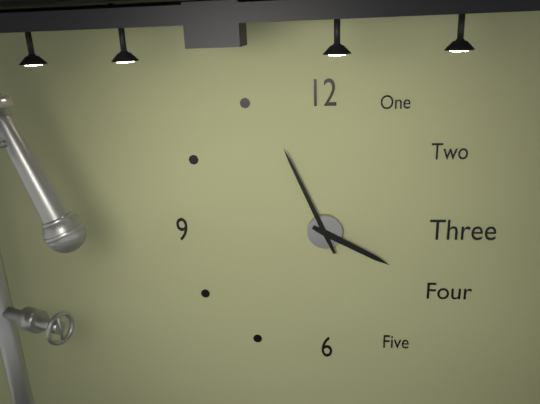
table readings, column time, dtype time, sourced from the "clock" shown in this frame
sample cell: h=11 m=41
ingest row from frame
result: h=3 m=56
